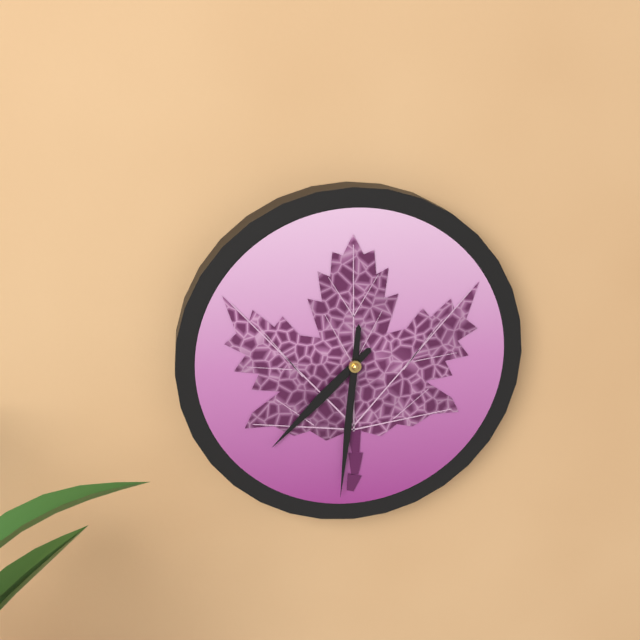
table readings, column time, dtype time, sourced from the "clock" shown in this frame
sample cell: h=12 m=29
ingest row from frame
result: h=7 m=31
